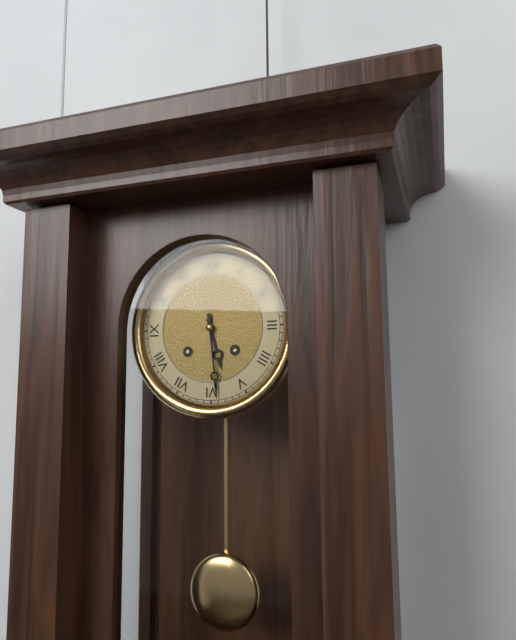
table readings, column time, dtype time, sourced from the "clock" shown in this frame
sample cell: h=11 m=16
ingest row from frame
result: h=5 m=29
